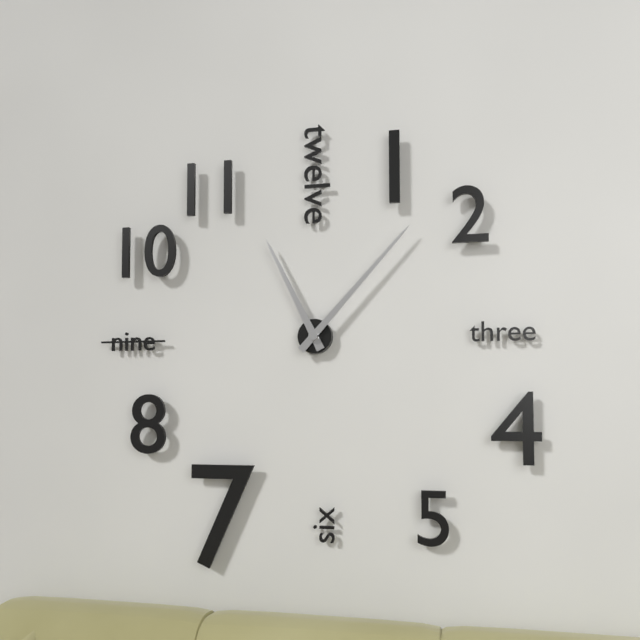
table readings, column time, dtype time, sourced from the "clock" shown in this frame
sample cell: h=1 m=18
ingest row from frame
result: h=11 m=7
